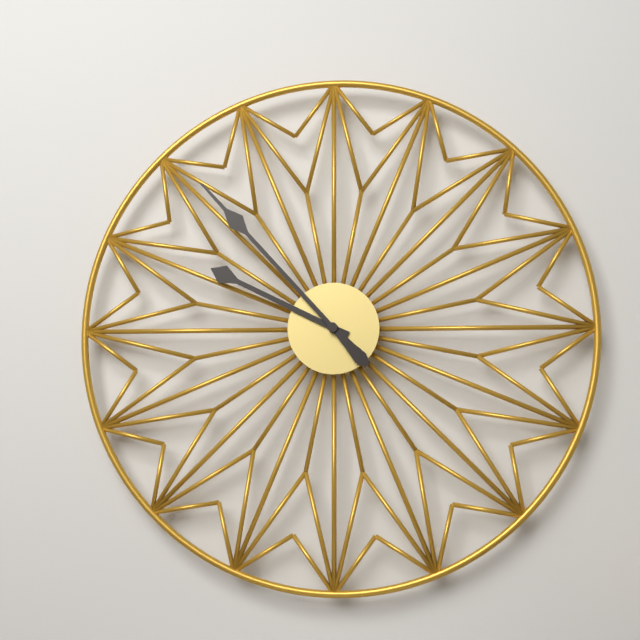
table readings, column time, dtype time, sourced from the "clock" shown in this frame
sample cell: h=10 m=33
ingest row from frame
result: h=9 m=53
